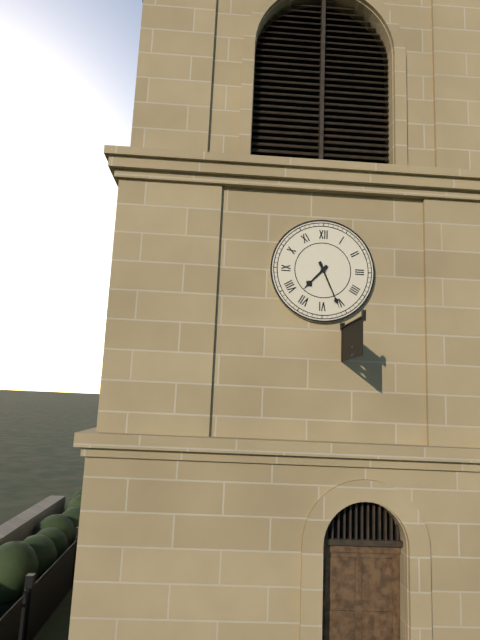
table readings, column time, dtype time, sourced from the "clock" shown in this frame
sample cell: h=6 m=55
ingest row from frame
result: h=7 m=26
